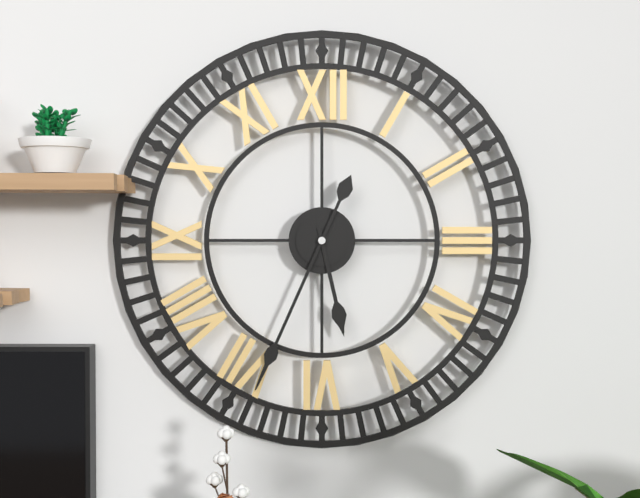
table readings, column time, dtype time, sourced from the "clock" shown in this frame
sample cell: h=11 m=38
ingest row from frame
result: h=5 m=34
